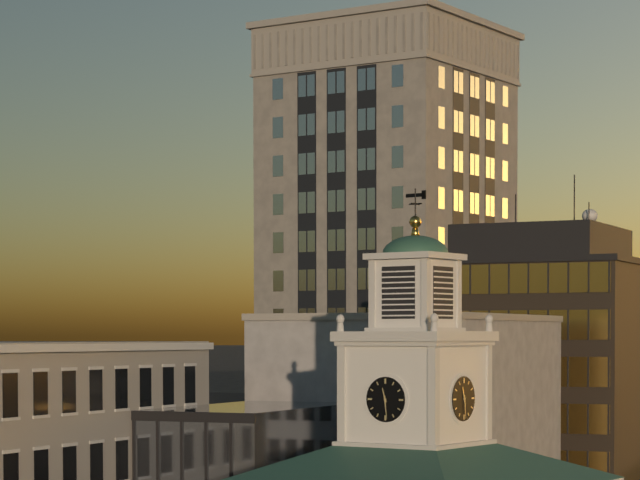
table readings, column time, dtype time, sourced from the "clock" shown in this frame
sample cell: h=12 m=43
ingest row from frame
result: h=11 m=29
